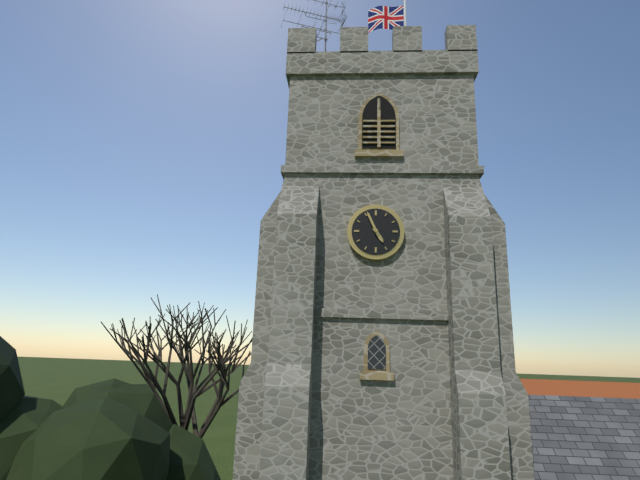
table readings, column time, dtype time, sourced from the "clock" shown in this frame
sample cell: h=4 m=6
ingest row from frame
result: h=4 m=56
